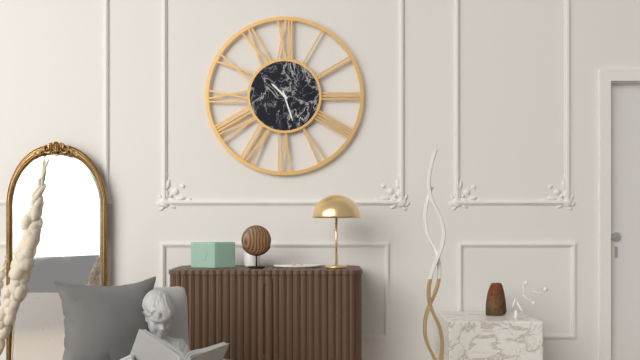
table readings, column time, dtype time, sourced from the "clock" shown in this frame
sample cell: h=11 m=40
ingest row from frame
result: h=10 m=27
